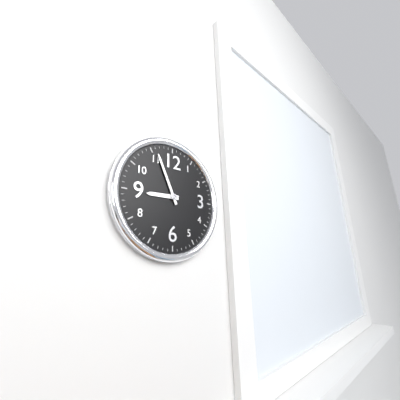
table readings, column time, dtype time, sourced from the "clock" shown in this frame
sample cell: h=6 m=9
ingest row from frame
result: h=8 m=56
